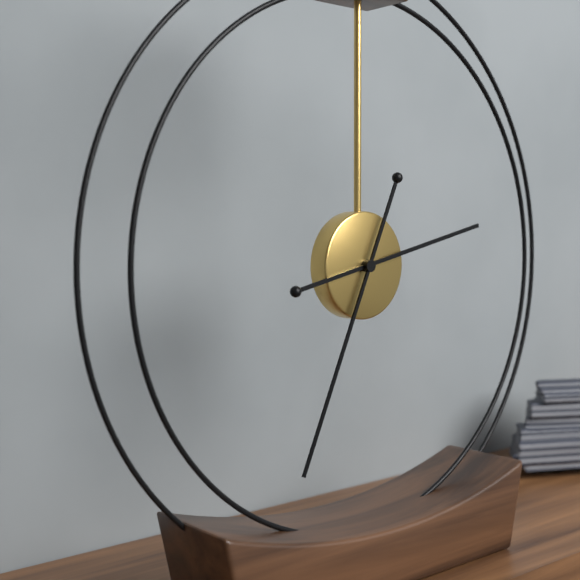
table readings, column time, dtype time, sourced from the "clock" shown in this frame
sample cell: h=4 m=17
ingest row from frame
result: h=2 m=34
